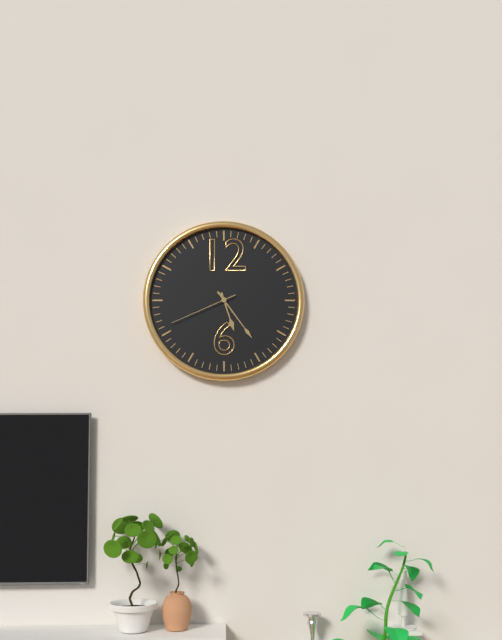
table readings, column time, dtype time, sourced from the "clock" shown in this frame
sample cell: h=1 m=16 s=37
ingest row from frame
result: h=5 m=24 s=41
